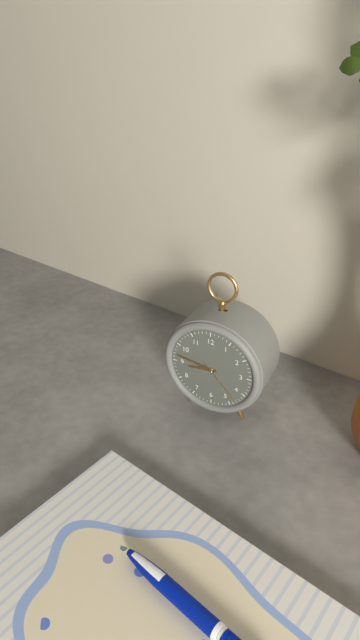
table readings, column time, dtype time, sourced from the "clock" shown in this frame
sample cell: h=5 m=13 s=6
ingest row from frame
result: h=8 m=47 s=23
